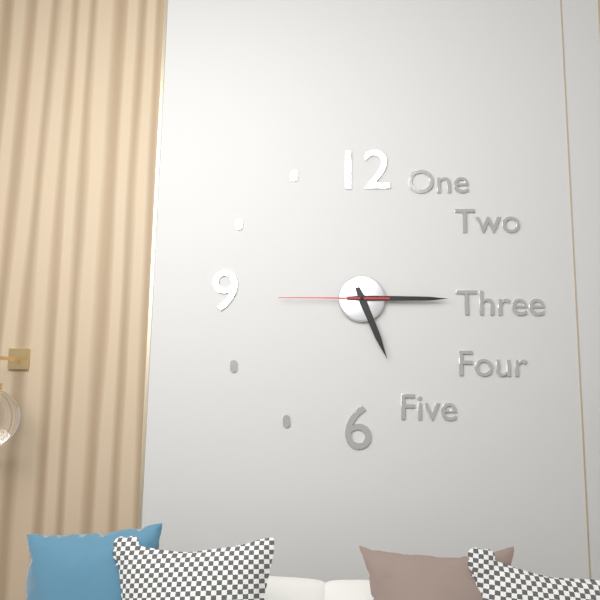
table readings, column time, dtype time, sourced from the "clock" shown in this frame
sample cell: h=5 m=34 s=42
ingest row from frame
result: h=5 m=15 s=45
